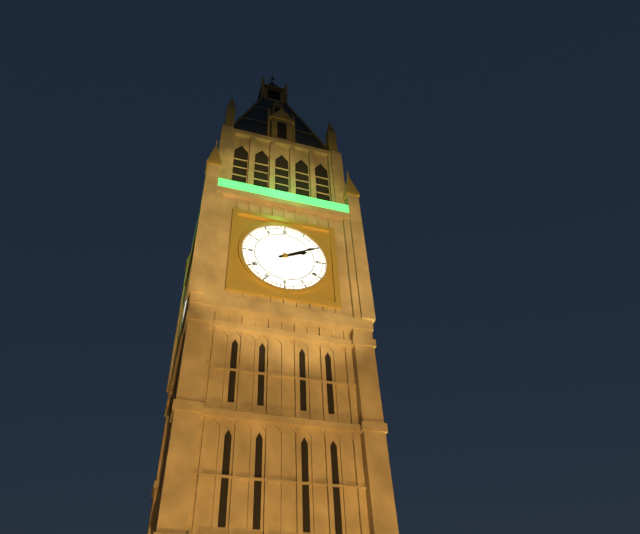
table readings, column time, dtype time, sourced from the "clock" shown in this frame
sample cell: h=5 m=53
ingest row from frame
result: h=2 m=10
